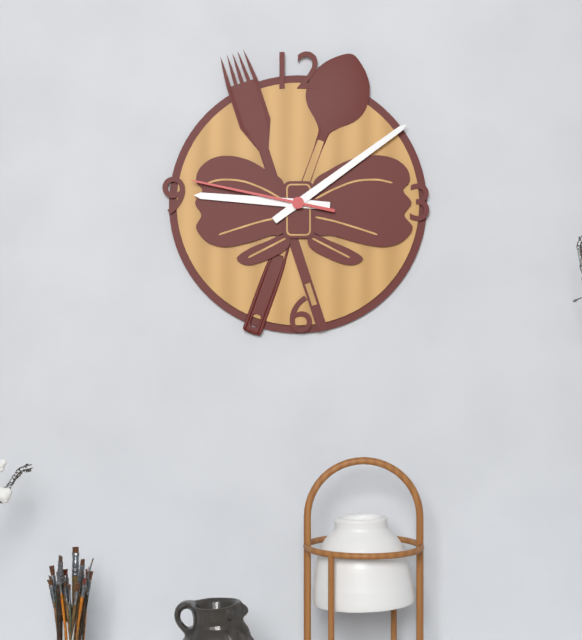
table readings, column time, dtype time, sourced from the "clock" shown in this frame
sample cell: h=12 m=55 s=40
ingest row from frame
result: h=9 m=9 s=47
